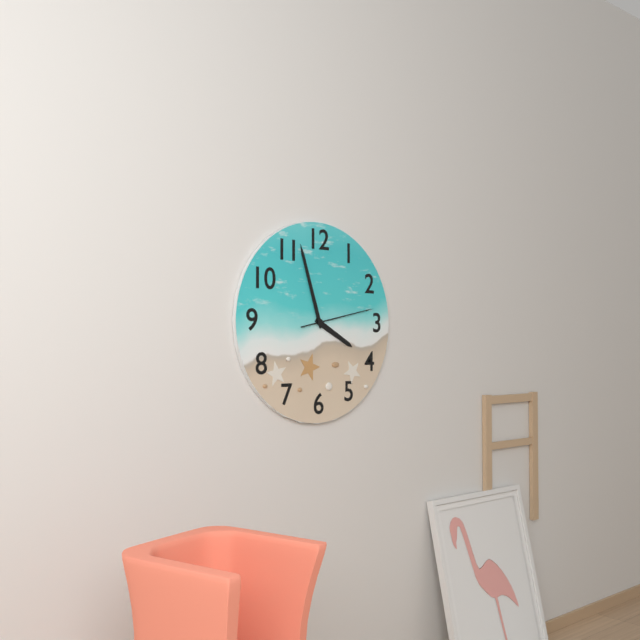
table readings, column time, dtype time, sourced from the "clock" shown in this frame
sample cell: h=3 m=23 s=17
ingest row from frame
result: h=3 m=57 s=13
